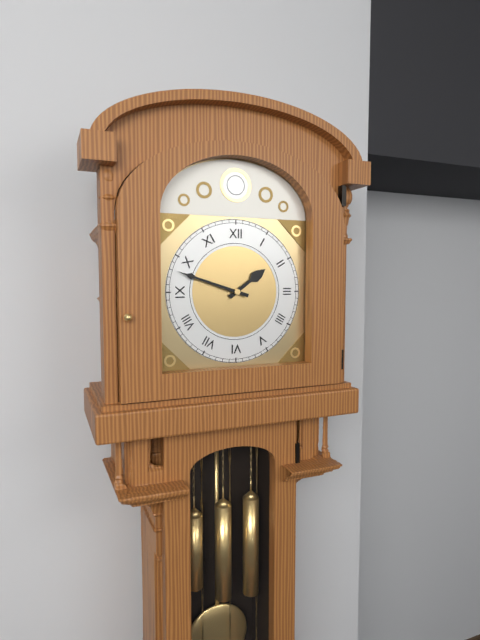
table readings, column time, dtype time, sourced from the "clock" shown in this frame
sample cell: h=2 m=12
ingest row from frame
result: h=1 m=48
